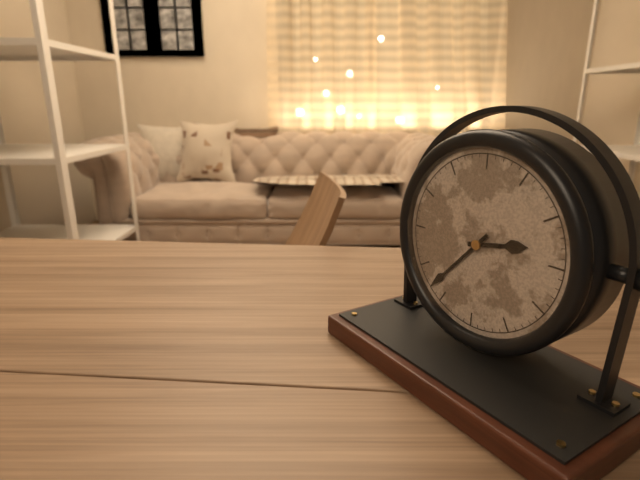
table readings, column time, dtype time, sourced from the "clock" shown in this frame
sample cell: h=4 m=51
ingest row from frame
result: h=2 m=37
